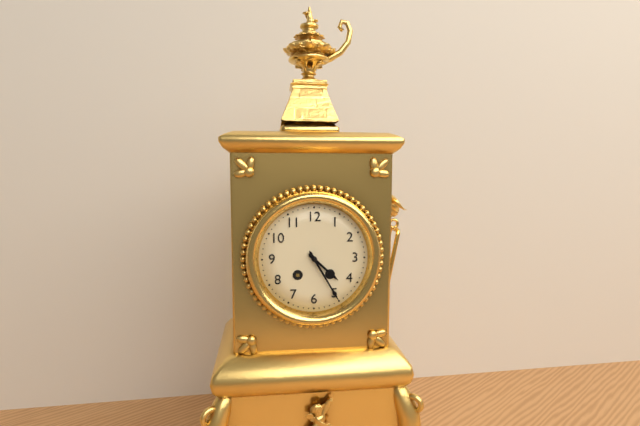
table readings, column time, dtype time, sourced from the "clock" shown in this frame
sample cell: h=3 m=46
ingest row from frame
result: h=4 m=25
